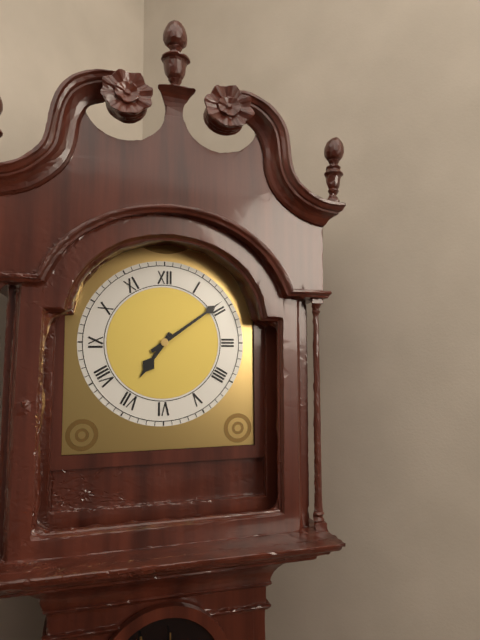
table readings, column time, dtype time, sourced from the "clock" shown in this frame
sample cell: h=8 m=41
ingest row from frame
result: h=7 m=9
